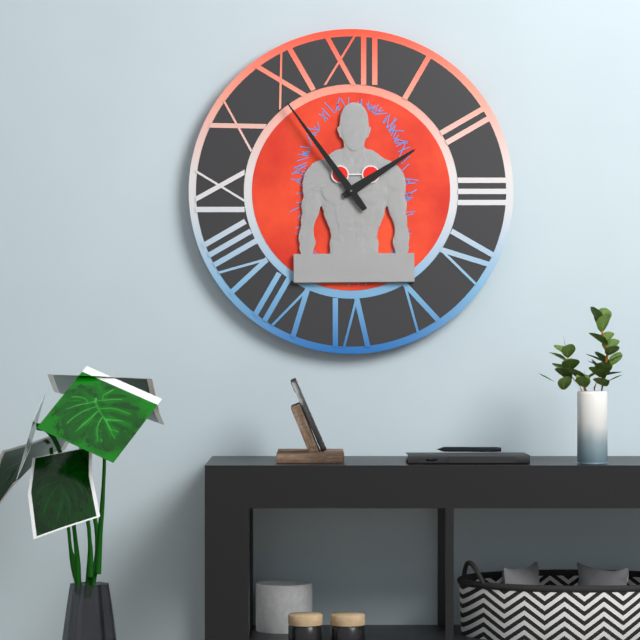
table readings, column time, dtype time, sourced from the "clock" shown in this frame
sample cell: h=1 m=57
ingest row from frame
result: h=1 m=54
